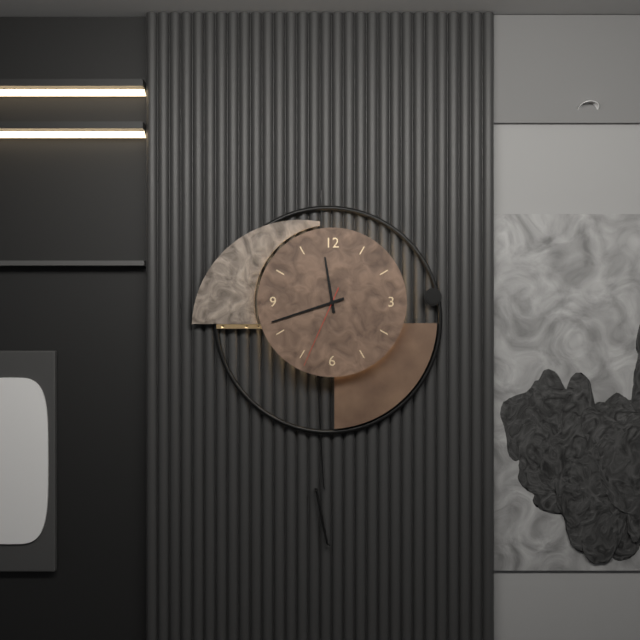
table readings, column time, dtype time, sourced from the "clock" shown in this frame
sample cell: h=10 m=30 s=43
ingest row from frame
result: h=11 m=42 s=34
